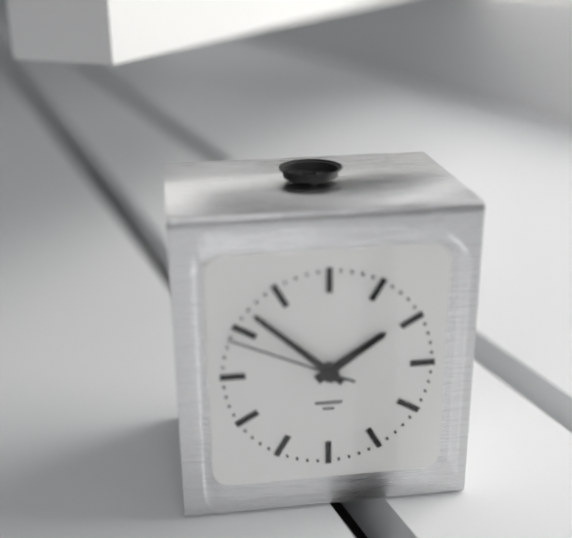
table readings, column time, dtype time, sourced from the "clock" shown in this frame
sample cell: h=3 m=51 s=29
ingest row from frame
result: h=1 m=52 s=49
